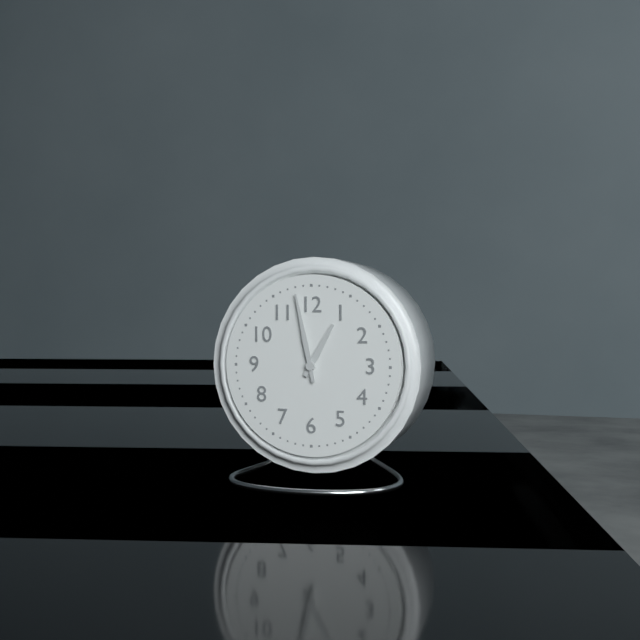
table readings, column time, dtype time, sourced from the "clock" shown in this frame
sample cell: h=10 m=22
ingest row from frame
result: h=12 m=58
